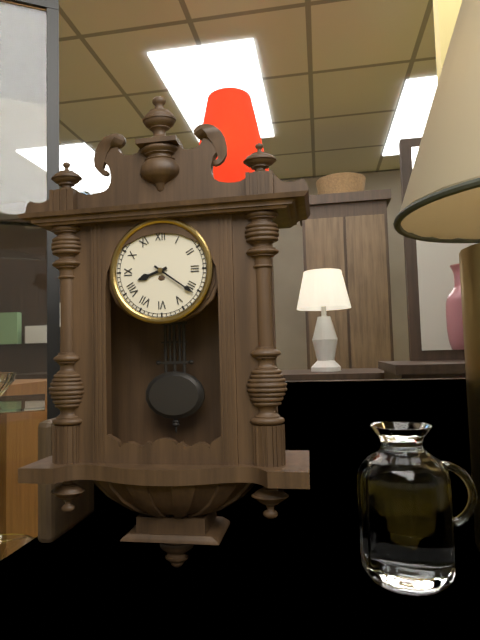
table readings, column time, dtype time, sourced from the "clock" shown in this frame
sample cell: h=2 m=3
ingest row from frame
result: h=8 m=21
